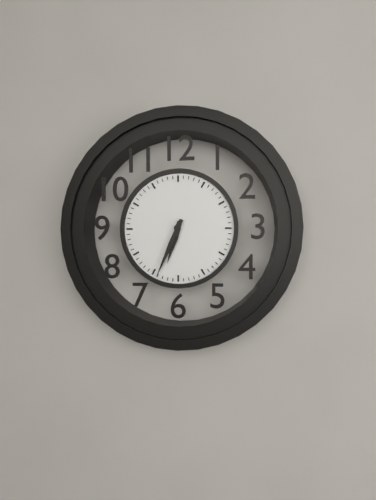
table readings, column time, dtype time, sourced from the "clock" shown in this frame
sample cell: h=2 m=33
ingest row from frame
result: h=6 m=34
